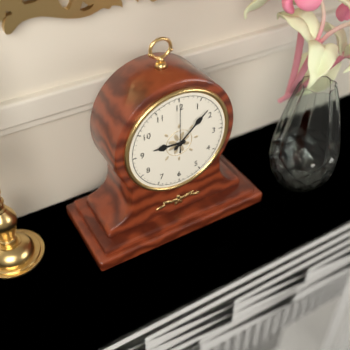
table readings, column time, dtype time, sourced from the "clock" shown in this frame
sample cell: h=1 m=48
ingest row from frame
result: h=9 m=8
